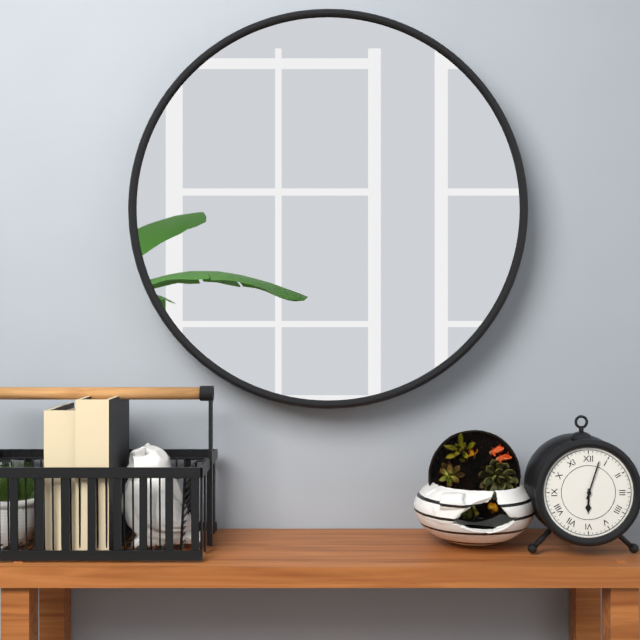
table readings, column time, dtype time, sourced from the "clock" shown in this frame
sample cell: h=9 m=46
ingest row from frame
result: h=6 m=3
